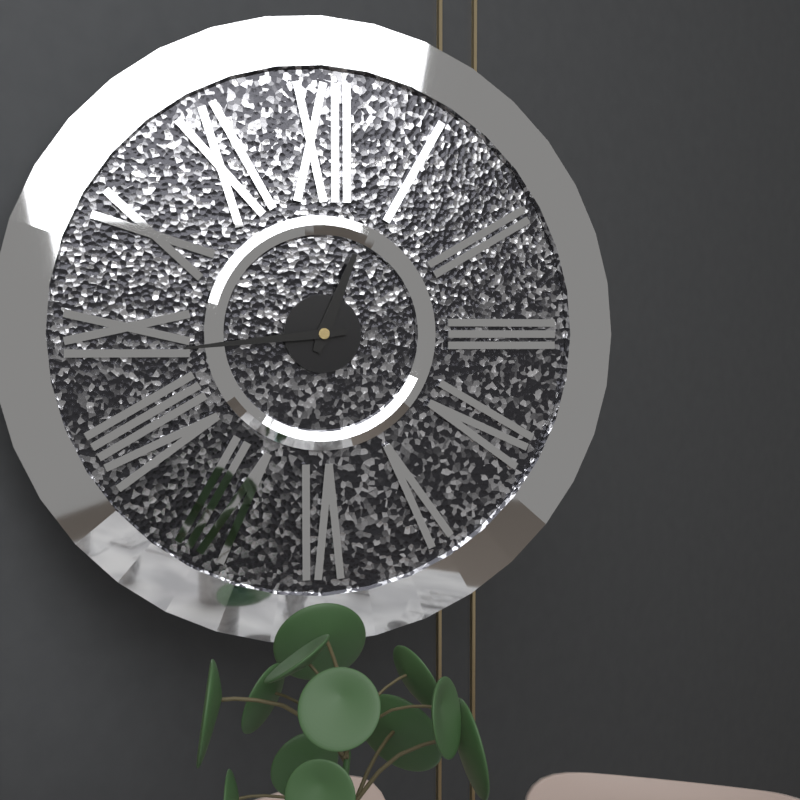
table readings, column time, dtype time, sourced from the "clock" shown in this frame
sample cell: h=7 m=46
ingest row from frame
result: h=12 m=44
